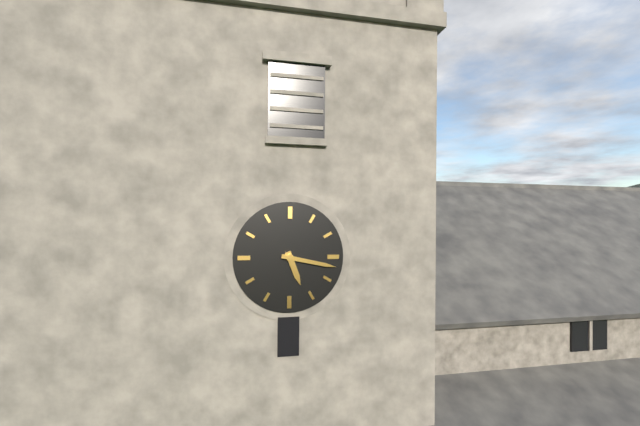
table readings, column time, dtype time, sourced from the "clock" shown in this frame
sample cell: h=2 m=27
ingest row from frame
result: h=5 m=17
